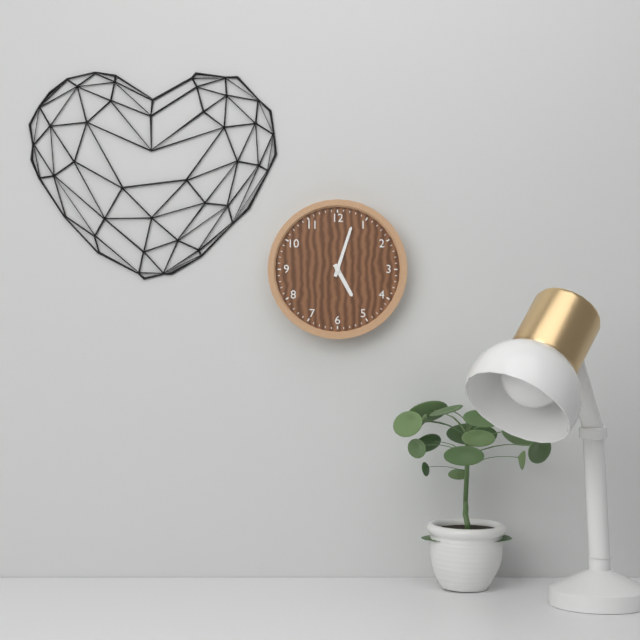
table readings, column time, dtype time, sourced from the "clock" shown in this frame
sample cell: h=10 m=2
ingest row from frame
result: h=5 m=3
